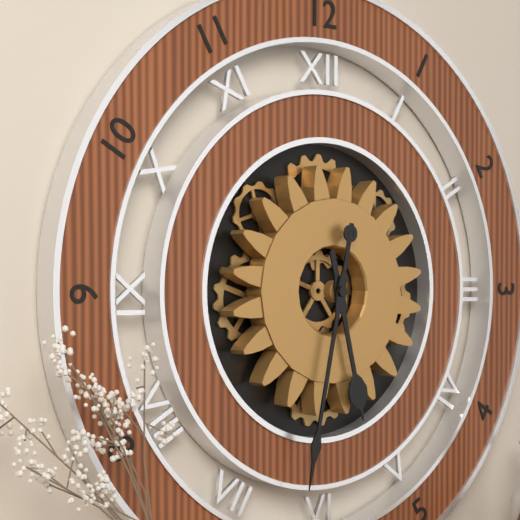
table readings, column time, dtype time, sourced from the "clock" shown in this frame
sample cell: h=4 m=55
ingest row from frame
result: h=5 m=32
